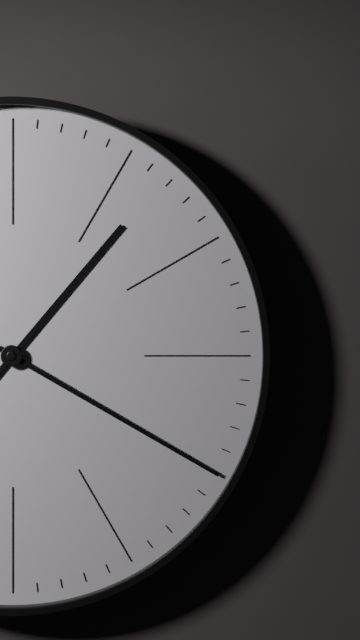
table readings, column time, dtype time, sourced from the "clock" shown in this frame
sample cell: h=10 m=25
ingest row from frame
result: h=1 m=20
